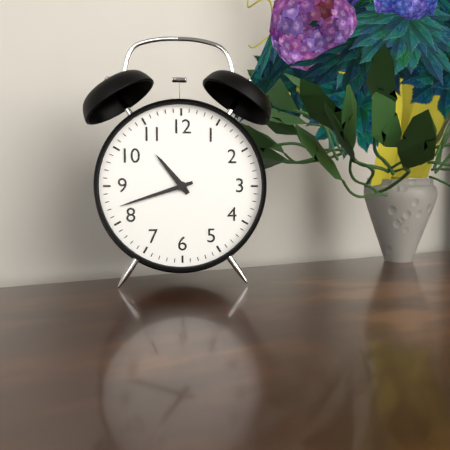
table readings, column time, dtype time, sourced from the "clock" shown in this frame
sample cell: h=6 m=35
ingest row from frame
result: h=10 m=42
